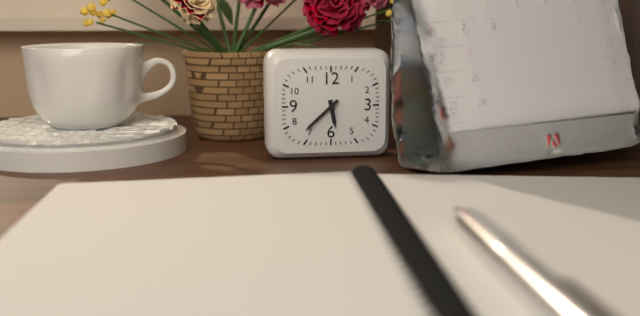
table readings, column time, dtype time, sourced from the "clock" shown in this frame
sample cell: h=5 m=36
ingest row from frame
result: h=5 m=38
